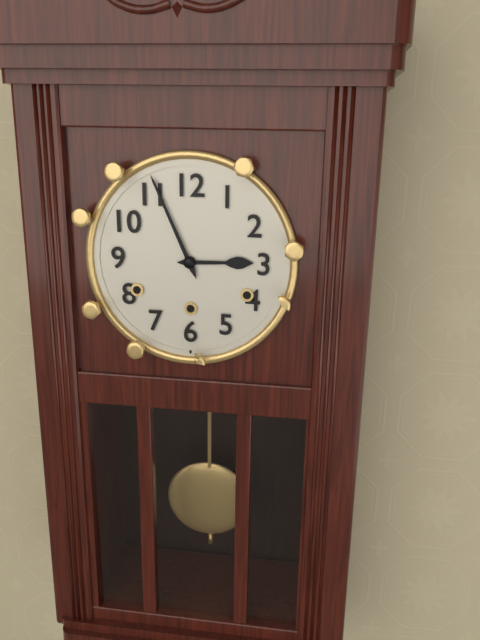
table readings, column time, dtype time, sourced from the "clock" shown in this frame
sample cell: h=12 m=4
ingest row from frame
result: h=2 m=56
